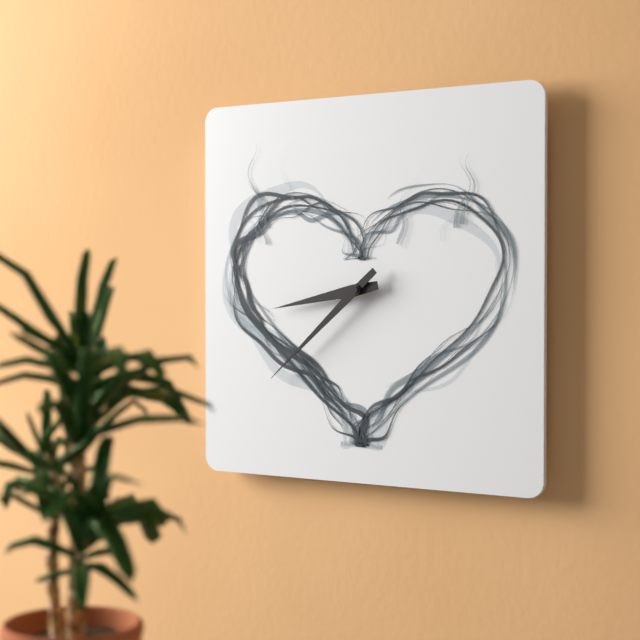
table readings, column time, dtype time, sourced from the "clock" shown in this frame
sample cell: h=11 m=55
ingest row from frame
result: h=8 m=38
